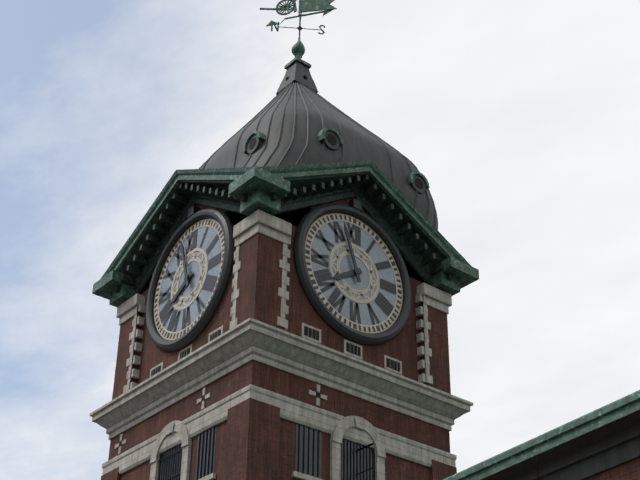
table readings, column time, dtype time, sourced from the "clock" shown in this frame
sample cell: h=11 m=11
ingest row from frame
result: h=7 m=57
